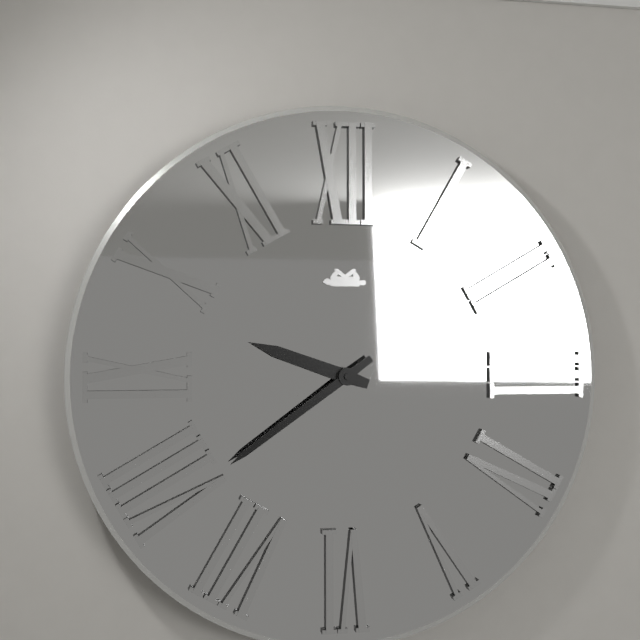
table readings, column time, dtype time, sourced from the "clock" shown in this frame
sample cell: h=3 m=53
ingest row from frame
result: h=9 m=39
